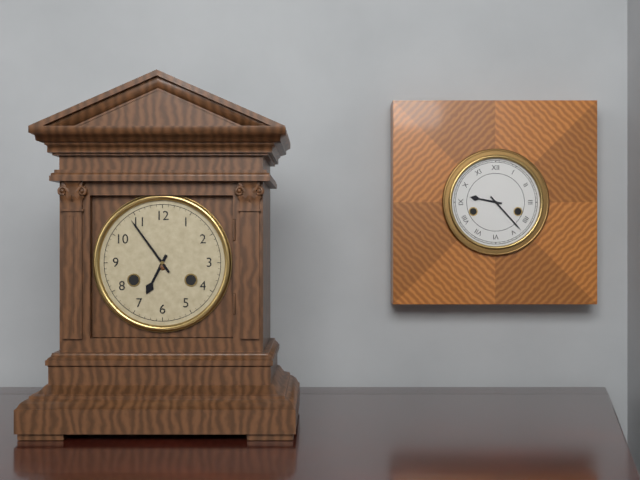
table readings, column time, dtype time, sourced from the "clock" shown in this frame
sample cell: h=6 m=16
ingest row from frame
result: h=6 m=54
